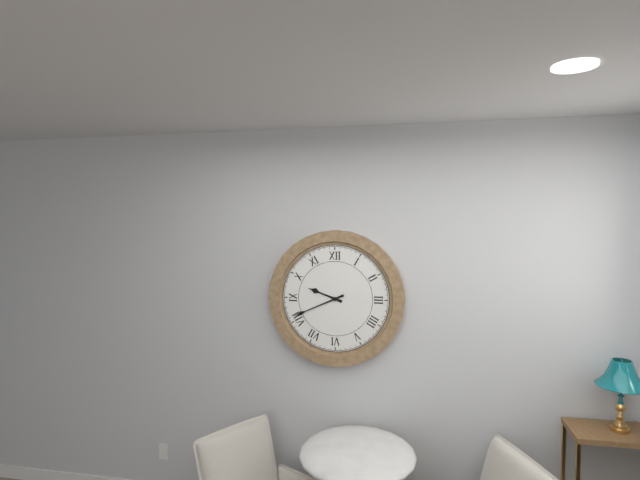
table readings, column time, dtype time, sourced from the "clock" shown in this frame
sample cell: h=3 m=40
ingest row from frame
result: h=9 m=41
